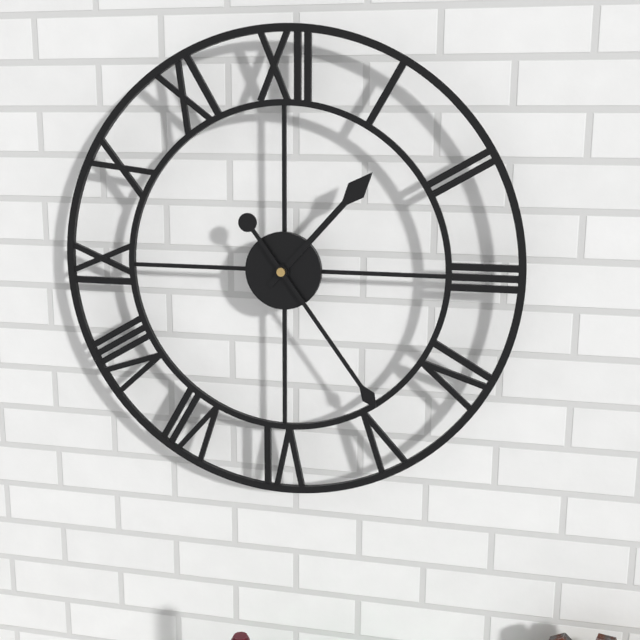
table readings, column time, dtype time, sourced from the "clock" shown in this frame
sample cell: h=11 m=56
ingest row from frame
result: h=1 m=24
